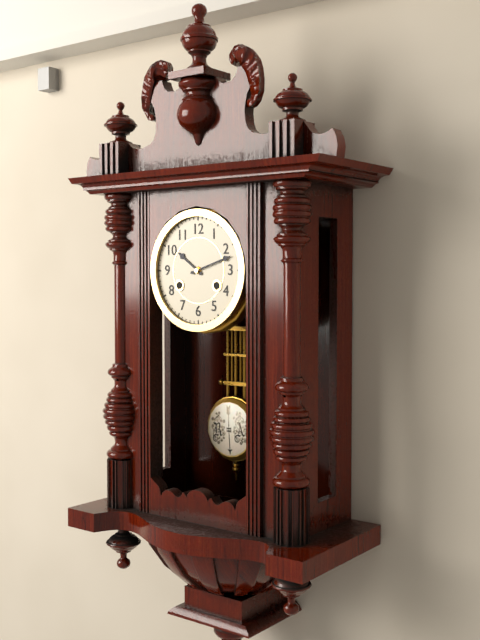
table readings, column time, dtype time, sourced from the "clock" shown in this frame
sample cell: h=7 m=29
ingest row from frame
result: h=10 m=12
